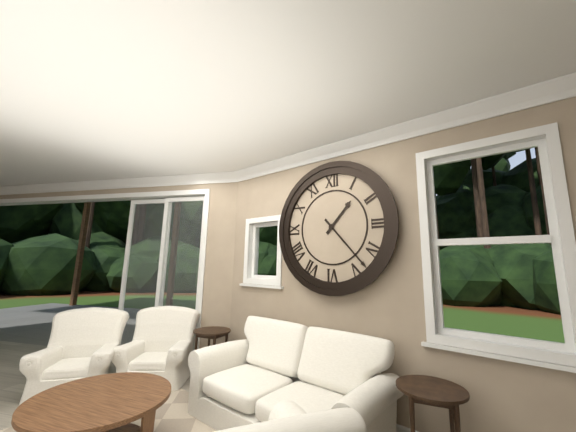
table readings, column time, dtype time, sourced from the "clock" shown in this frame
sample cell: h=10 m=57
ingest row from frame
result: h=1 m=23
